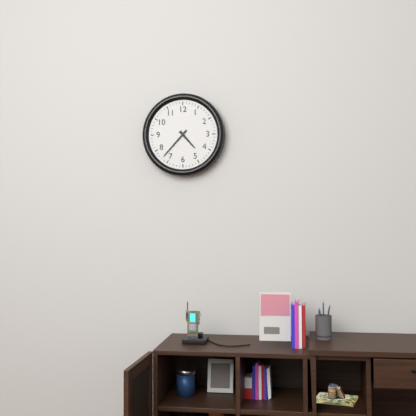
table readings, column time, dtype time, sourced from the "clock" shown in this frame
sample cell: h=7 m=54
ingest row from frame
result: h=4 m=37
